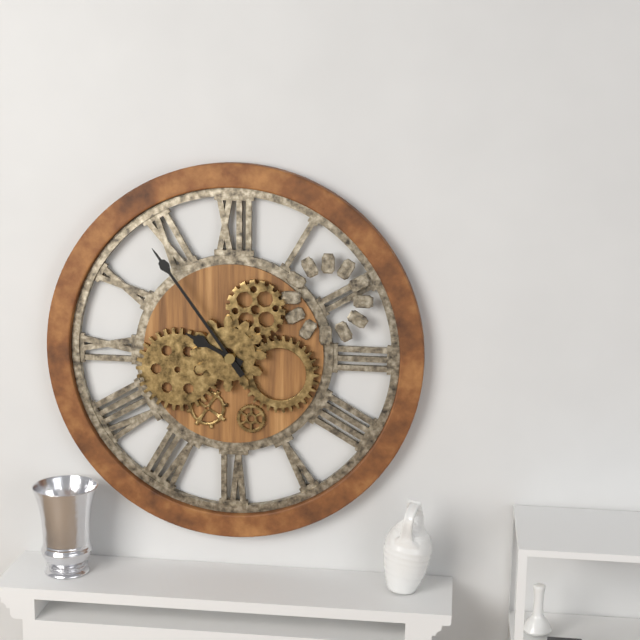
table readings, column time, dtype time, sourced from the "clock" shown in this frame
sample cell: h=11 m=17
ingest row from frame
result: h=9 m=54
